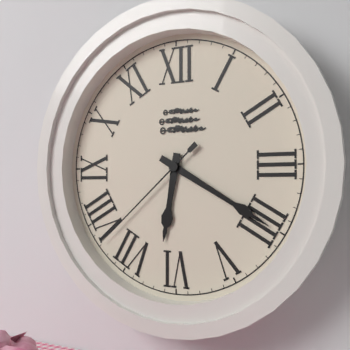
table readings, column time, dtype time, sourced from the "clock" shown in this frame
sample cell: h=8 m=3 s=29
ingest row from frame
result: h=6 m=20 s=38
